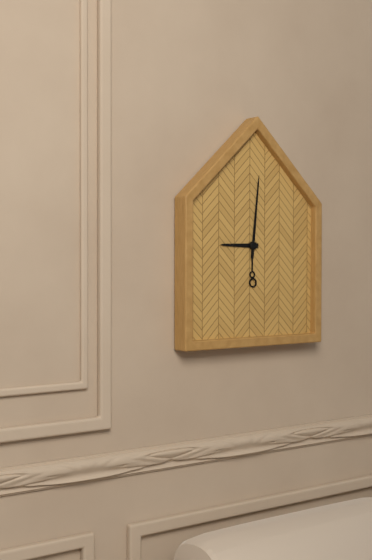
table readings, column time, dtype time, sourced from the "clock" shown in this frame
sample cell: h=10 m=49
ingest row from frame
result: h=9 m=1
